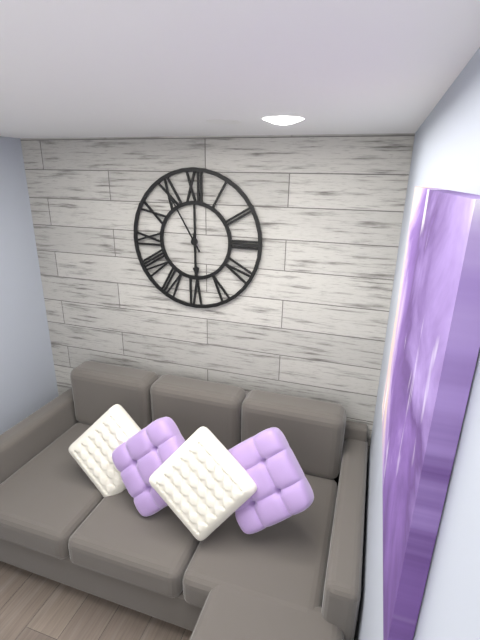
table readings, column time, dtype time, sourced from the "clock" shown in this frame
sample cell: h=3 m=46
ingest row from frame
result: h=5 m=55
